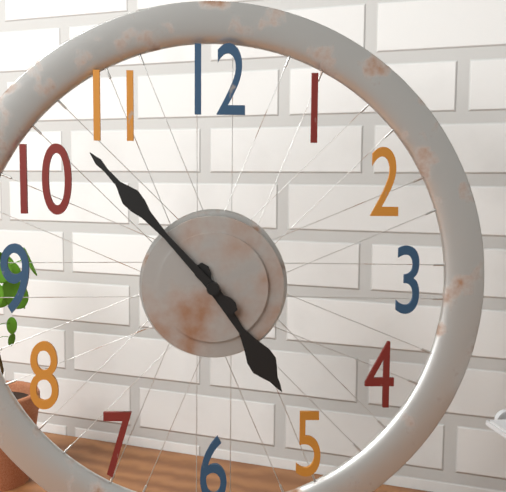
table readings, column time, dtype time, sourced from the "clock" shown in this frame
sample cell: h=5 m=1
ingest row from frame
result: h=4 m=53
